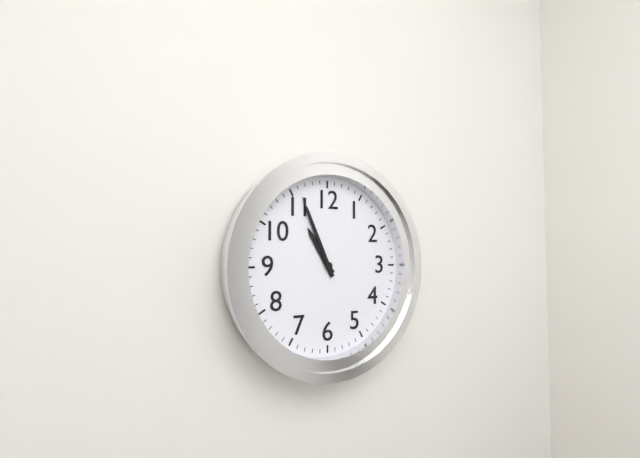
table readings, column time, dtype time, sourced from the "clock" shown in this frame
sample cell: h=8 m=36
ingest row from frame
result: h=10 m=56
